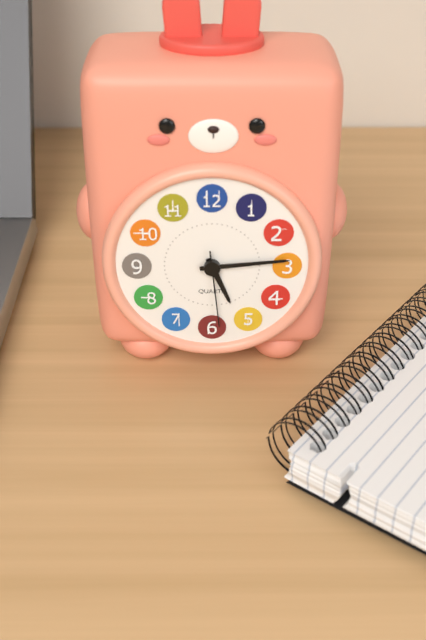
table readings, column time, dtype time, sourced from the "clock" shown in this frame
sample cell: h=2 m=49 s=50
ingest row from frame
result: h=5 m=14 s=29
